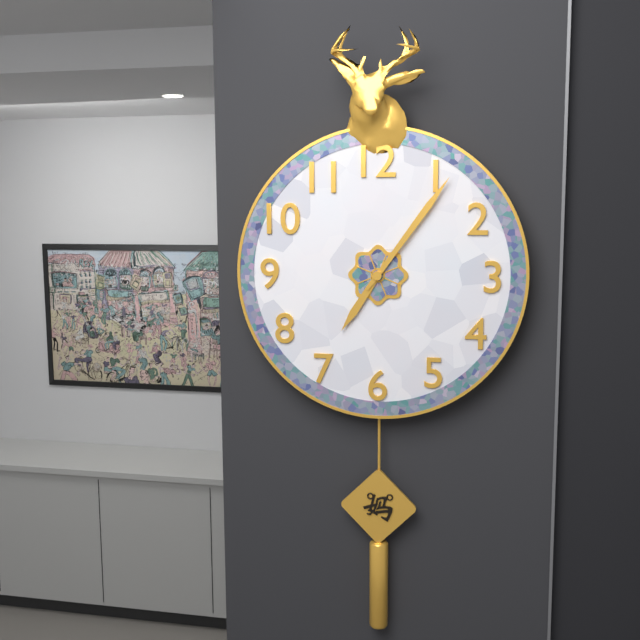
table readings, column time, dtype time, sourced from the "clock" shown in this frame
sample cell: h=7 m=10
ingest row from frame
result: h=7 m=6
